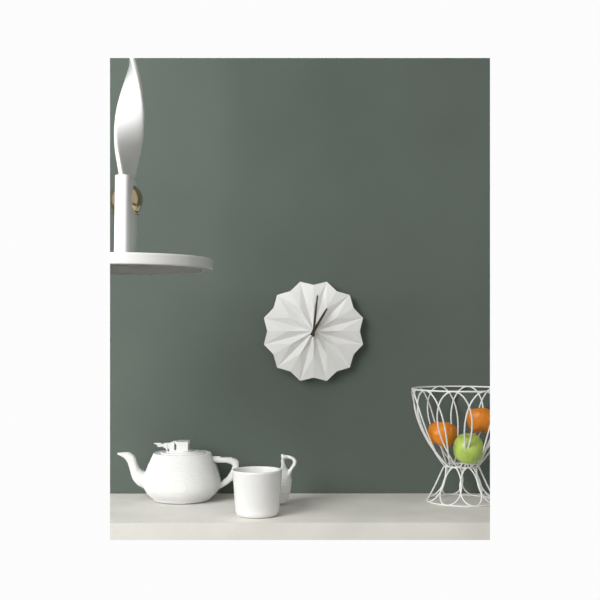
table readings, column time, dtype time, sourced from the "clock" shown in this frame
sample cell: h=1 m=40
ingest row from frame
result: h=1 m=1
